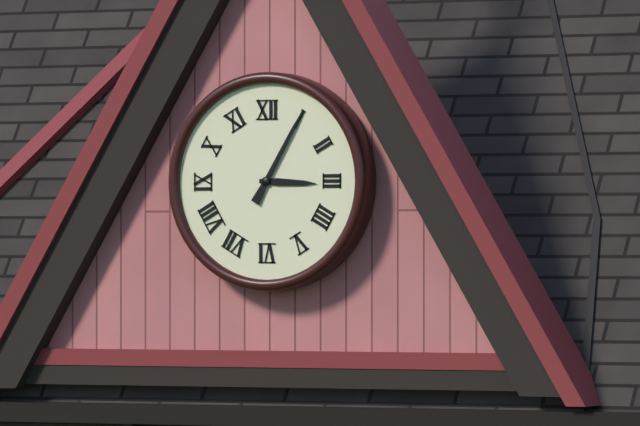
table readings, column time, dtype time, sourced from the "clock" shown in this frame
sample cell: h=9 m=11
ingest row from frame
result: h=3 m=5
